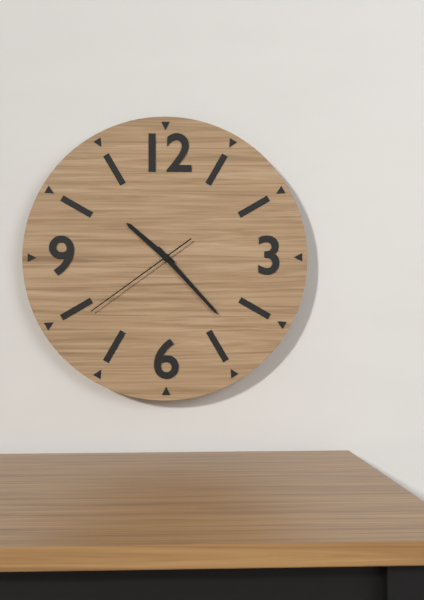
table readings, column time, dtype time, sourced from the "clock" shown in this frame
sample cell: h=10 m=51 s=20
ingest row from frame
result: h=10 m=23 s=39
